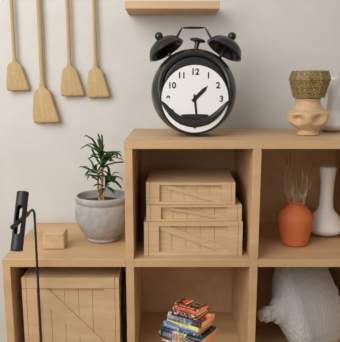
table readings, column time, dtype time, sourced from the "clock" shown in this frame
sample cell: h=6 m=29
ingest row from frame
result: h=1 m=29
